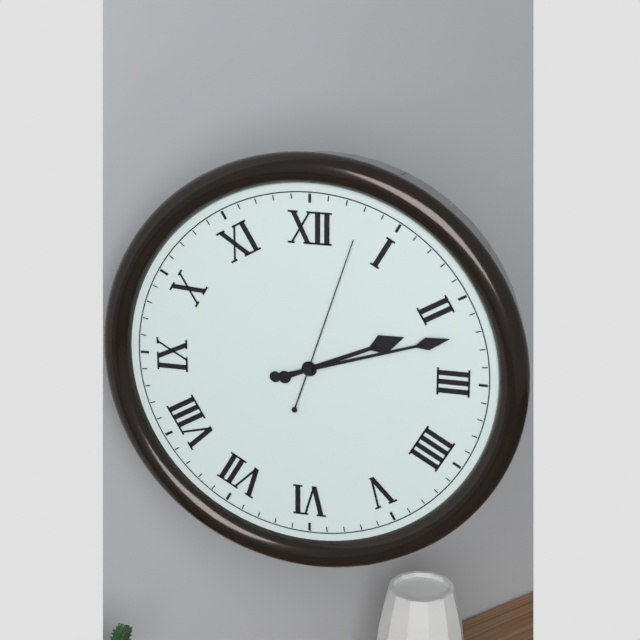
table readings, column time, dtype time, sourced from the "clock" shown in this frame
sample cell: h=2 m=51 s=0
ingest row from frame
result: h=2 m=12 s=3
